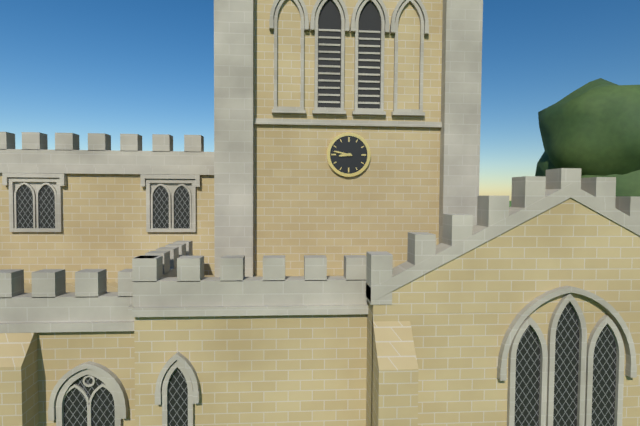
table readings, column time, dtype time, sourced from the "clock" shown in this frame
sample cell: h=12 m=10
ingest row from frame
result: h=8 m=47
